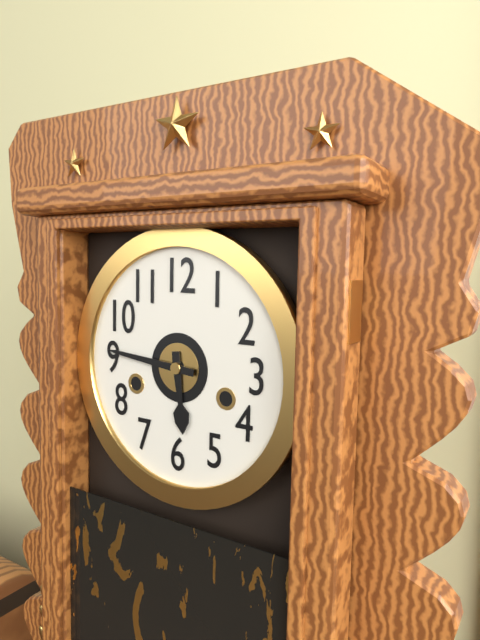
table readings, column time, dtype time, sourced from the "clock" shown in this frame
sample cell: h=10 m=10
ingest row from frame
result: h=5 m=46
